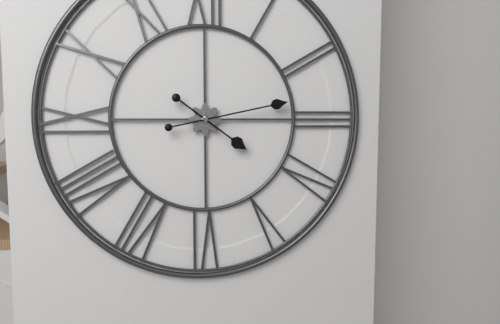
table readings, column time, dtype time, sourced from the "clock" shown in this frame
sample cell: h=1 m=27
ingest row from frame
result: h=4 m=13
